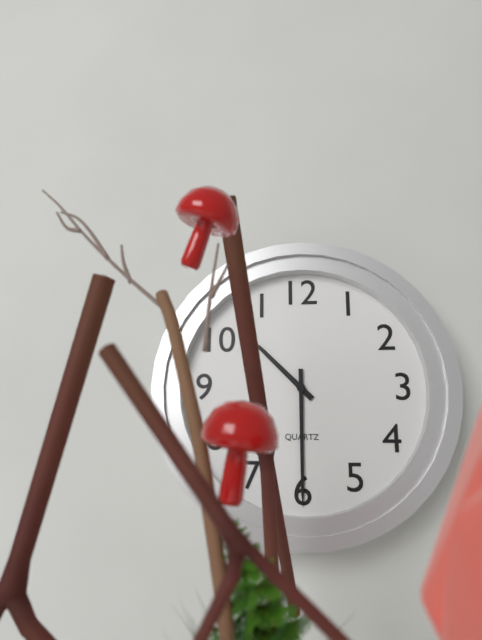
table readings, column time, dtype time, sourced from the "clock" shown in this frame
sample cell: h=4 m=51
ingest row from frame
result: h=10 m=30
